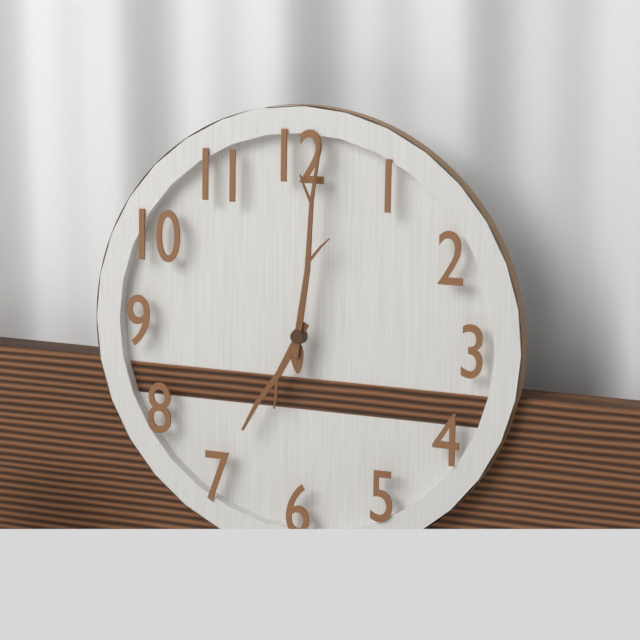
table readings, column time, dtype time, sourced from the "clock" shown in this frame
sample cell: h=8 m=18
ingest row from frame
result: h=7 m=1
